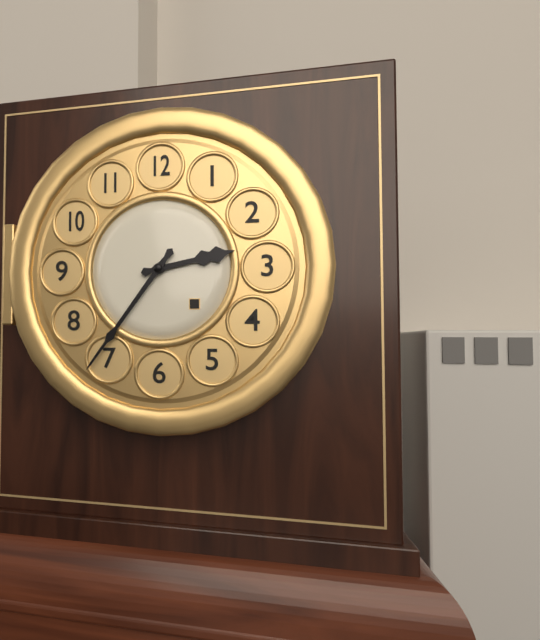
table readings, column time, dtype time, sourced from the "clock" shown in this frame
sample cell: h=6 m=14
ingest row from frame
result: h=2 m=36
